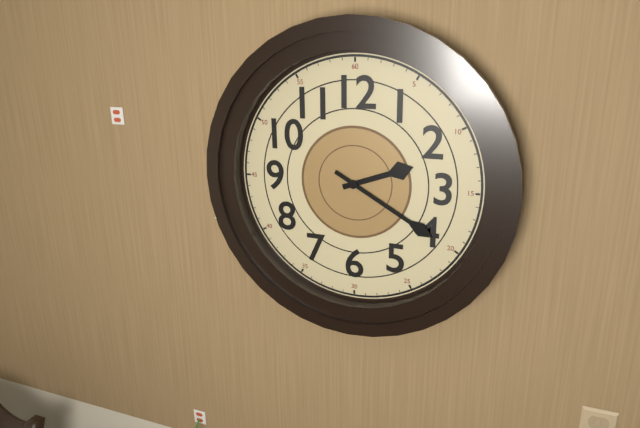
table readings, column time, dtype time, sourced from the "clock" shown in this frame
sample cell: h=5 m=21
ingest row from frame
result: h=2 m=20
